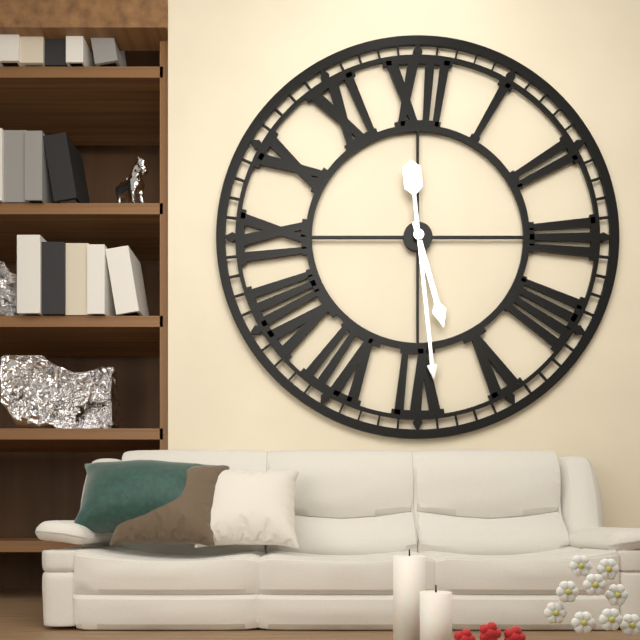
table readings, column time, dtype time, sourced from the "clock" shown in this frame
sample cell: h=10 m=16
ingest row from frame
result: h=5 m=29
